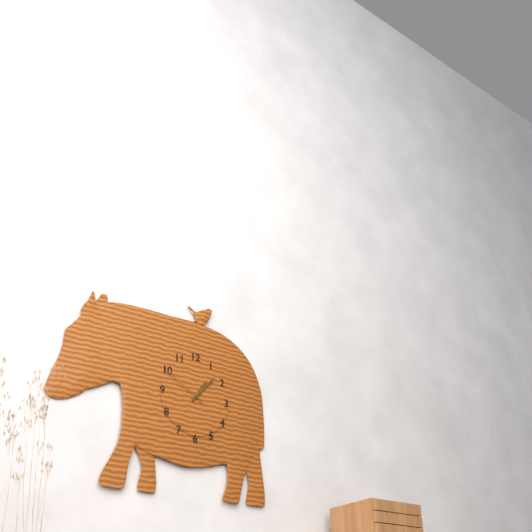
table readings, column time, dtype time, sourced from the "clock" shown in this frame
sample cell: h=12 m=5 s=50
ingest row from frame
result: h=1 m=7 s=50
